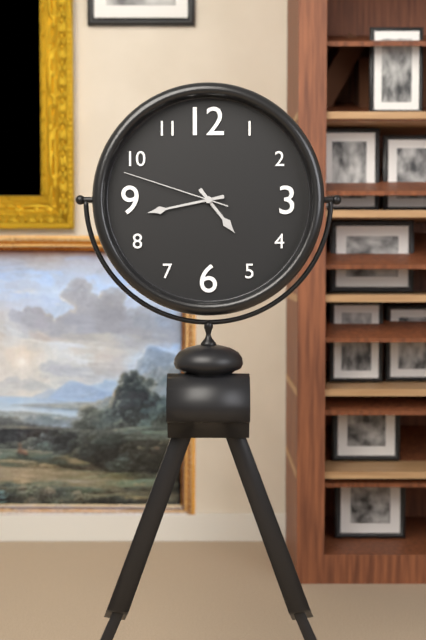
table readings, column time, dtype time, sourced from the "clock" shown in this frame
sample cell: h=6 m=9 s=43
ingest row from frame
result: h=4 m=43 s=48
